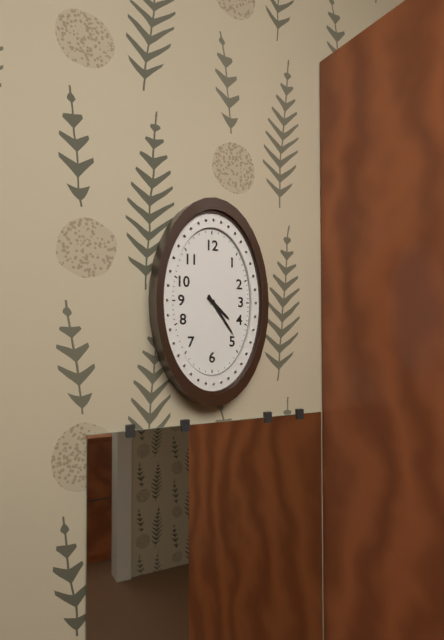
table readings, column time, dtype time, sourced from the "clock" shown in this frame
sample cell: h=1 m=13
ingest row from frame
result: h=4 m=24
